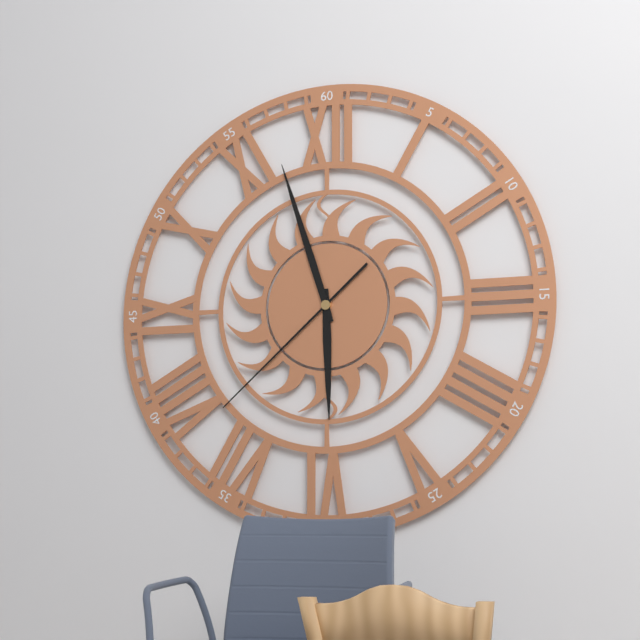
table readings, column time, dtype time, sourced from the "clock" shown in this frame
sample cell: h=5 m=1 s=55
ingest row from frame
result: h=5 m=57 s=38
